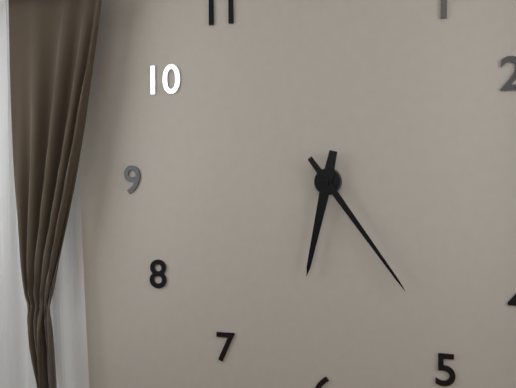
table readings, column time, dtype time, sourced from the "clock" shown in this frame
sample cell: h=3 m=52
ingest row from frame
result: h=6 m=24
